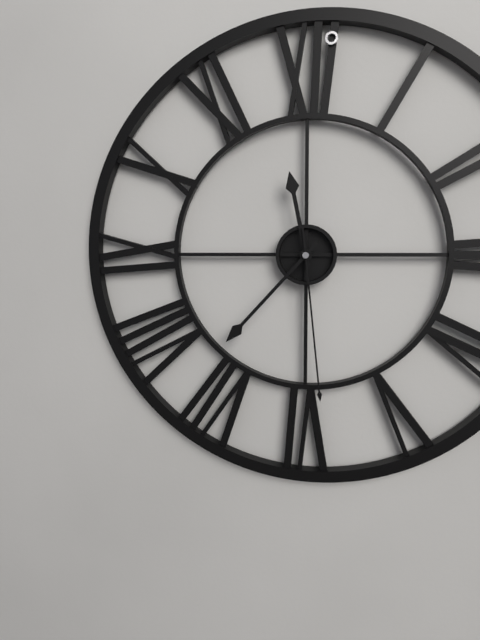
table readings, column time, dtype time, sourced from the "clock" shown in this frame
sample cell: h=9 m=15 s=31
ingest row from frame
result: h=11 m=37 s=29
